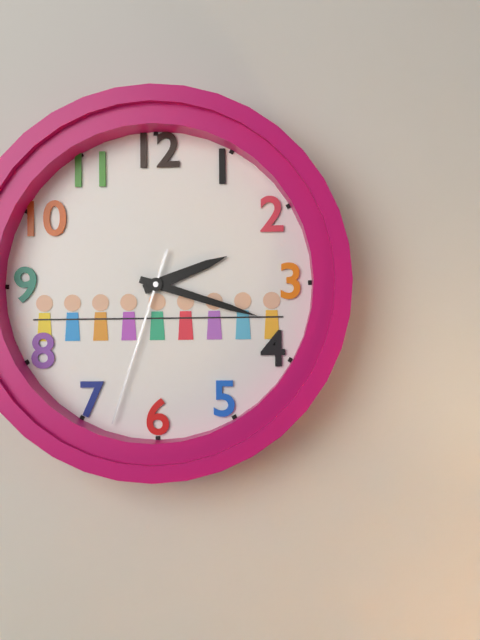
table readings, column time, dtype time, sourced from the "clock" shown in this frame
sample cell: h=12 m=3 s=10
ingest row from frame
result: h=2 m=18 s=33
